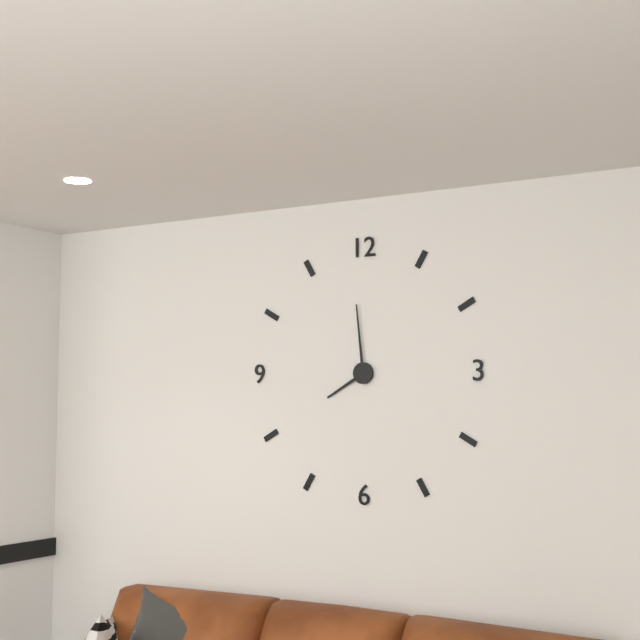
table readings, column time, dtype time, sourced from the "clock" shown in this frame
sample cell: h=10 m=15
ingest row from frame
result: h=7 m=59
